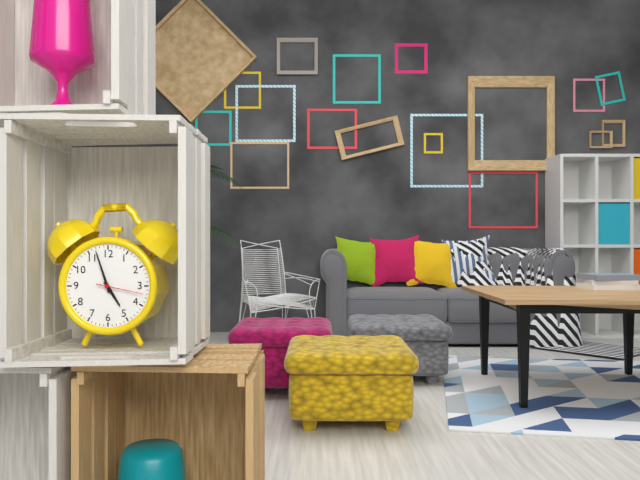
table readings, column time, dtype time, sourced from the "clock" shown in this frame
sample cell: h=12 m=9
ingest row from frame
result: h=4 m=57
